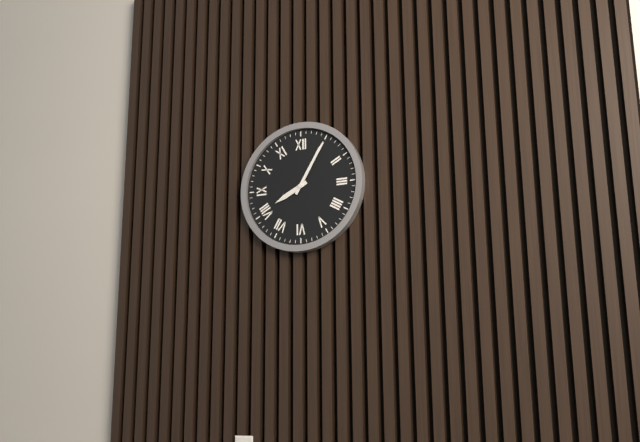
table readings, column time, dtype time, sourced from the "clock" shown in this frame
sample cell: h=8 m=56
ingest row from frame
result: h=8 m=5
